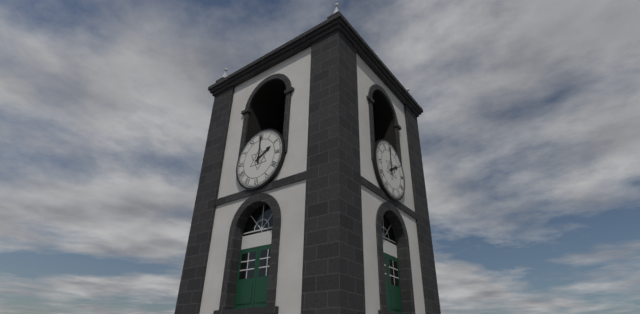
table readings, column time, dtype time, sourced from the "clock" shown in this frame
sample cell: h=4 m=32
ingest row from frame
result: h=2 m=0
